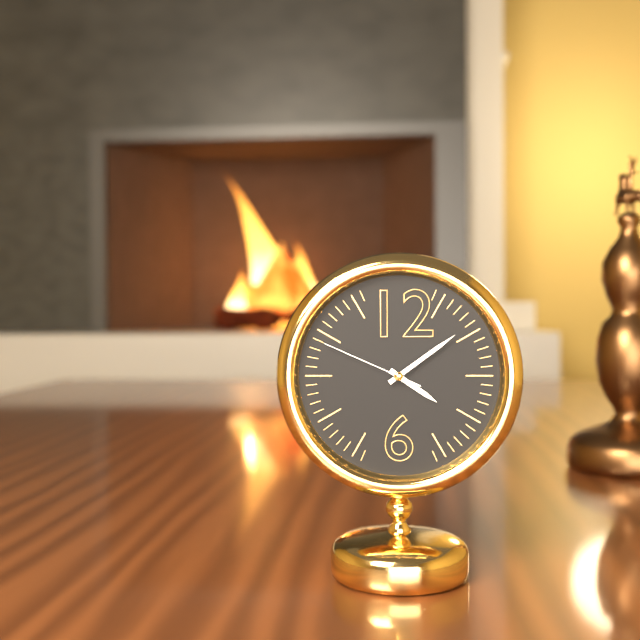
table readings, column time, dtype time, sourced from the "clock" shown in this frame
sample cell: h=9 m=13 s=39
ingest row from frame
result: h=4 m=9 s=49
